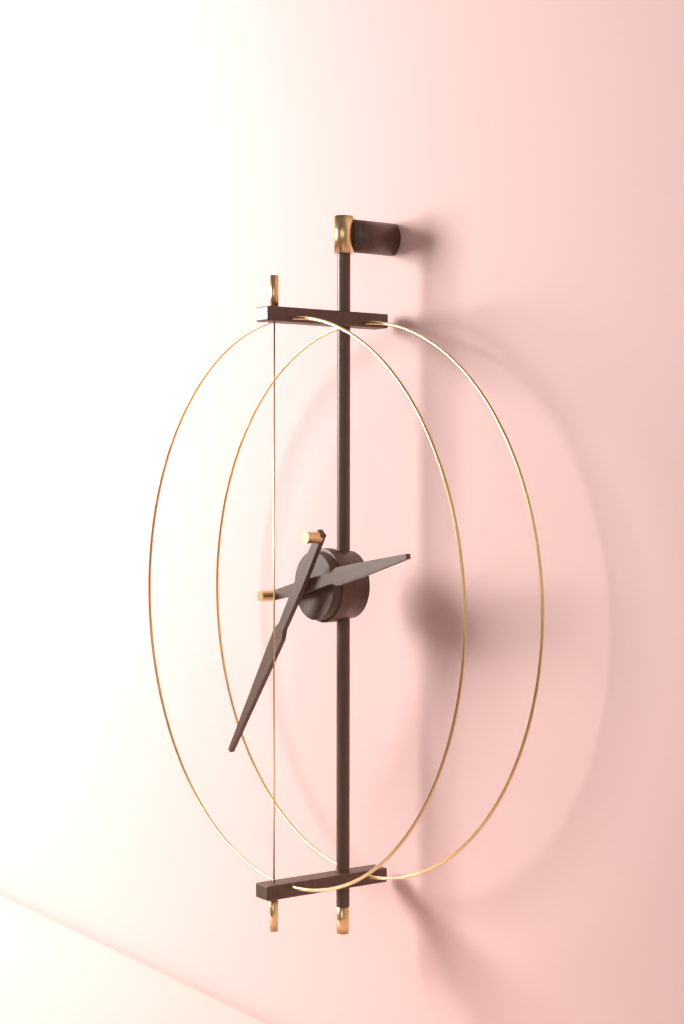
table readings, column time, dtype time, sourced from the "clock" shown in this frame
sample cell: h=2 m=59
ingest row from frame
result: h=2 m=36
